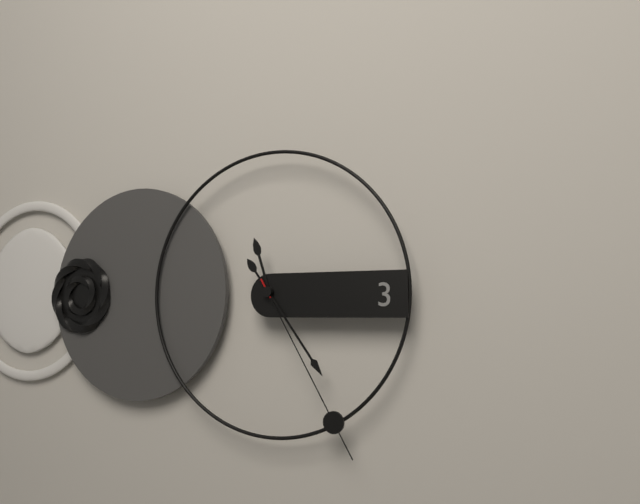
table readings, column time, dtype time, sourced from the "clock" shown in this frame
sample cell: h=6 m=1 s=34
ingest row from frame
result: h=11 m=24 s=25
